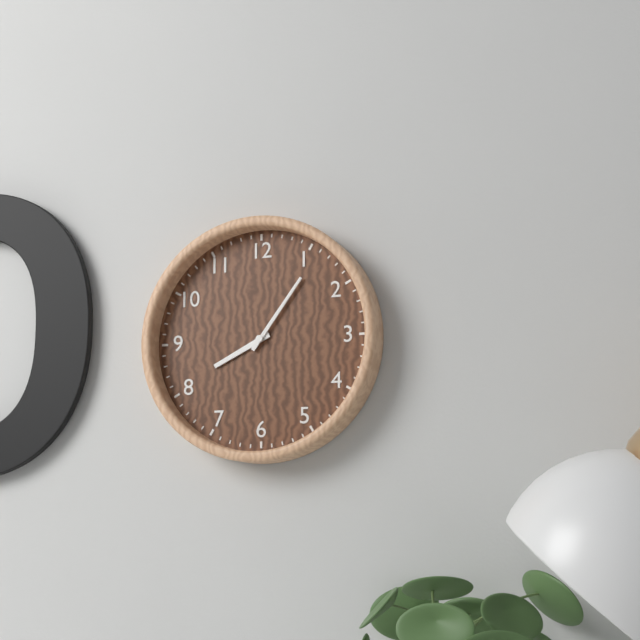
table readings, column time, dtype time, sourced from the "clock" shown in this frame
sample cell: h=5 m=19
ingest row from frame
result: h=8 m=6
